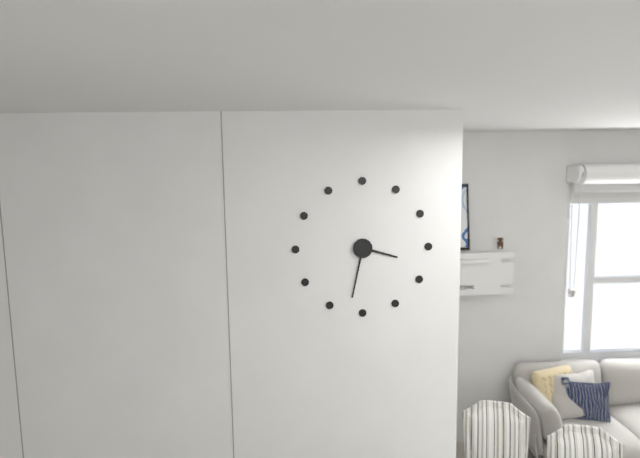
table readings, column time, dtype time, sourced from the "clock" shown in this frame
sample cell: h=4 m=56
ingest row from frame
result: h=3 m=32
